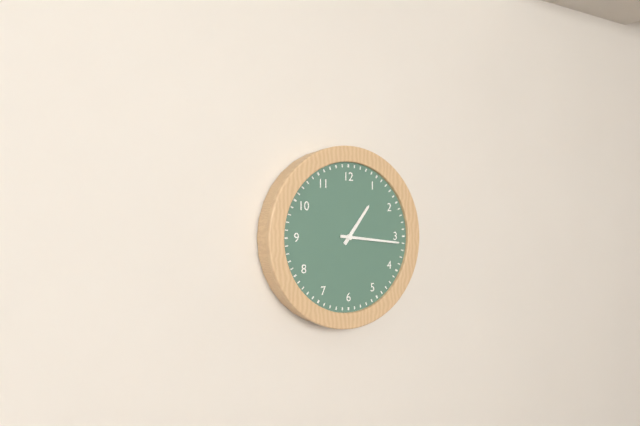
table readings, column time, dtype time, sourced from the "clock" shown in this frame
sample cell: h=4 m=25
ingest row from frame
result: h=1 m=16
